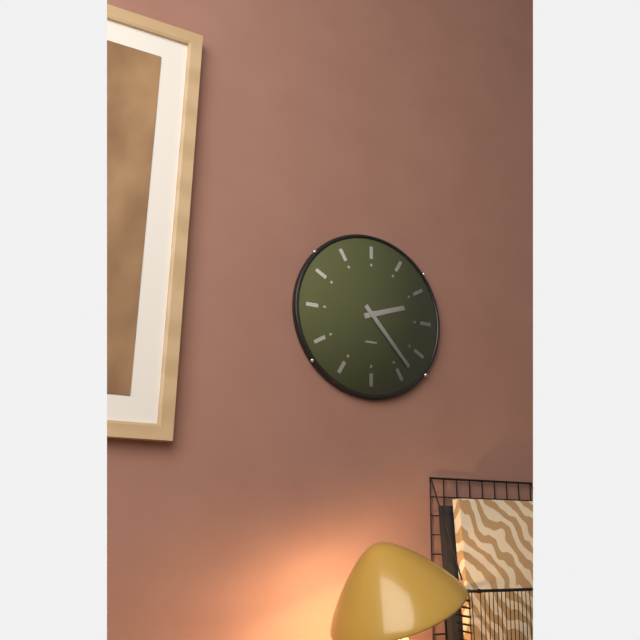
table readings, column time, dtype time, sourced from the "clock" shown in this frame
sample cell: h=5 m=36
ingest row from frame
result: h=2 m=23
